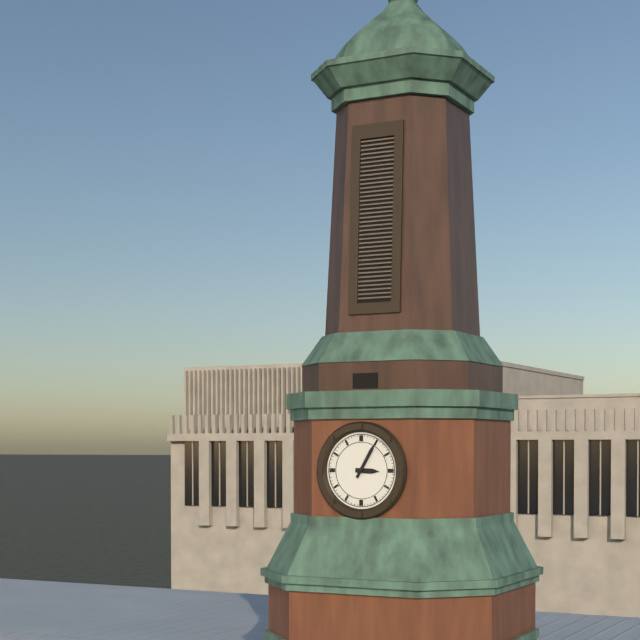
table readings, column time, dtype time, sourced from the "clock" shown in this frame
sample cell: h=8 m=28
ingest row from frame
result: h=3 m=5
